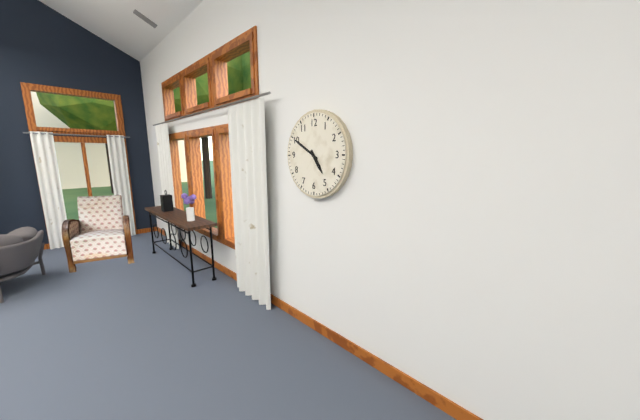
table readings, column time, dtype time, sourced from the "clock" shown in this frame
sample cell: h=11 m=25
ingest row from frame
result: h=4 m=50
